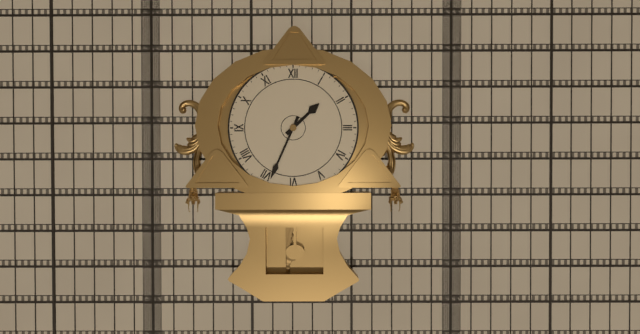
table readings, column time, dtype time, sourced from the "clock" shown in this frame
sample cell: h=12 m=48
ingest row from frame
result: h=1 m=34
